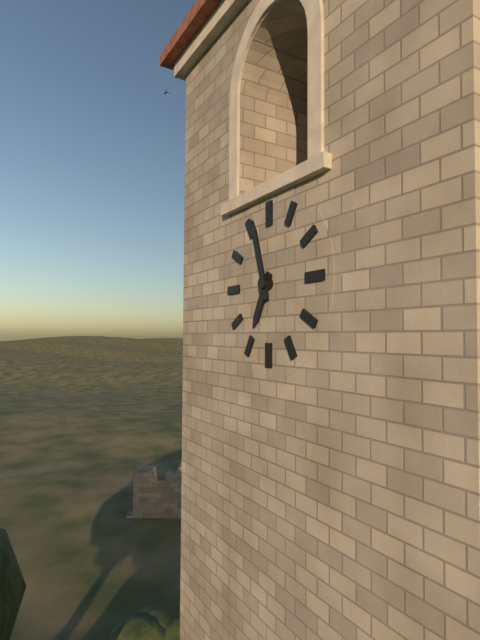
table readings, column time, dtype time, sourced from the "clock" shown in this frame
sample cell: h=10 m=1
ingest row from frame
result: h=6 m=57
